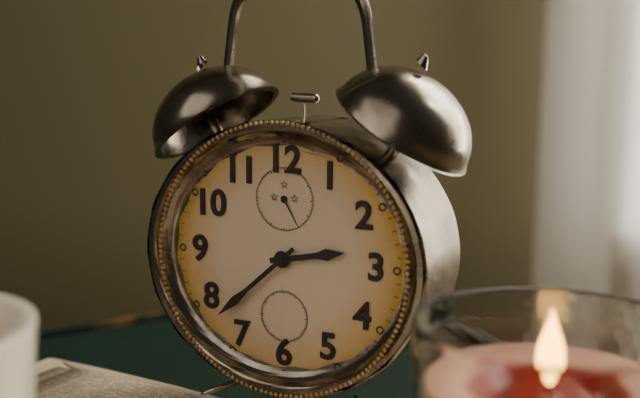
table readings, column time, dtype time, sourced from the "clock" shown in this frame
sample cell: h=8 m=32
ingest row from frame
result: h=2 m=38
